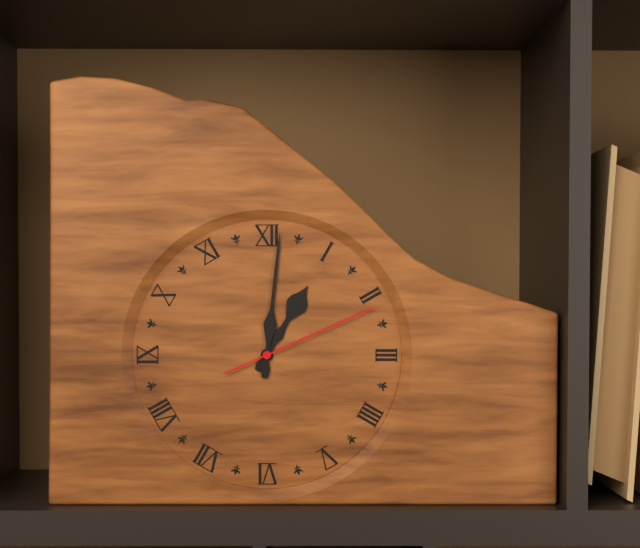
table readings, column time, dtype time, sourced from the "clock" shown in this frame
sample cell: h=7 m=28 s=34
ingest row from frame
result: h=1 m=1 s=11
